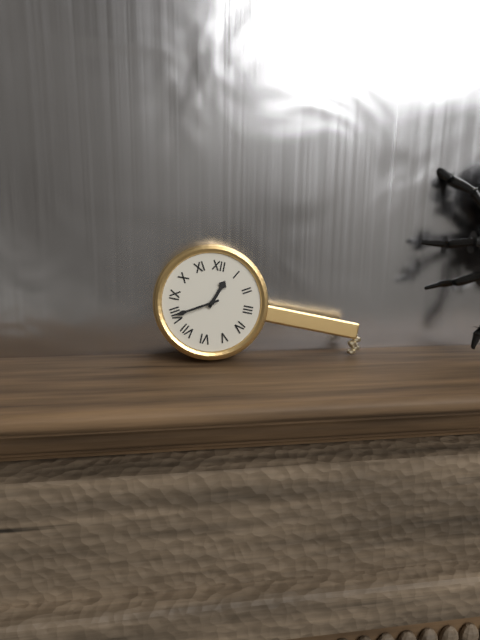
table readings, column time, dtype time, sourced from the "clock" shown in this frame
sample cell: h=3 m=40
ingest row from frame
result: h=12 m=40
